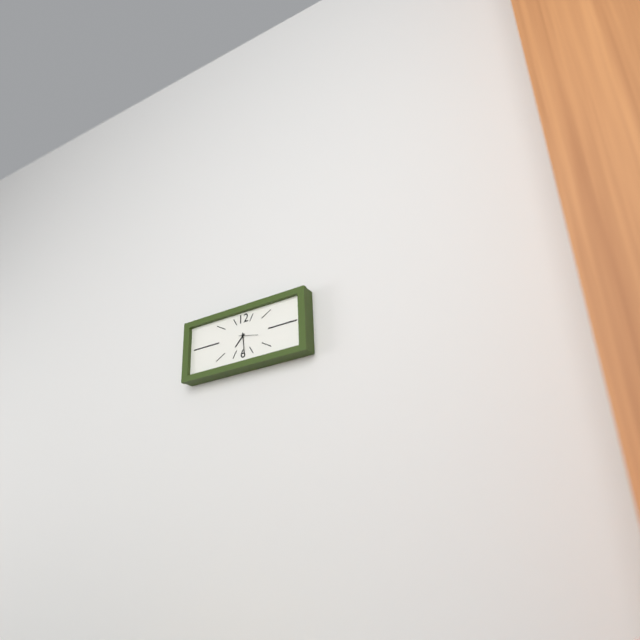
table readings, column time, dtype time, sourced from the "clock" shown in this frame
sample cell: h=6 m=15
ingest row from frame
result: h=7 m=29
